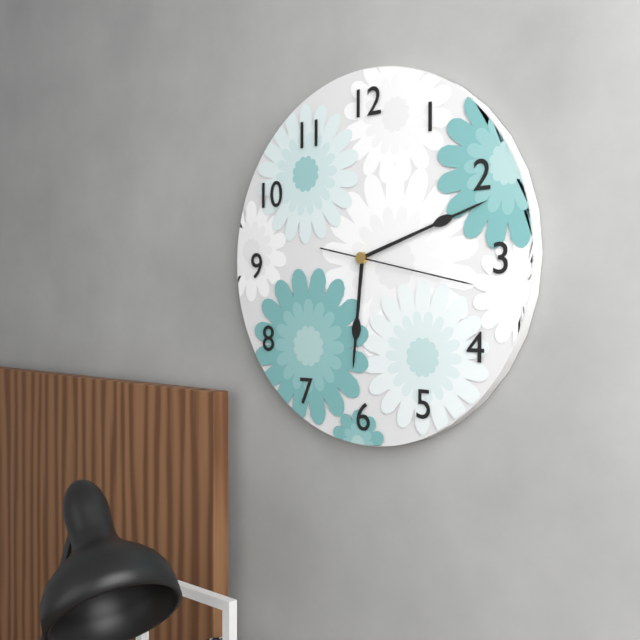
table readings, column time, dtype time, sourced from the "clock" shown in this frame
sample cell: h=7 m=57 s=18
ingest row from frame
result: h=6 m=12 s=17
